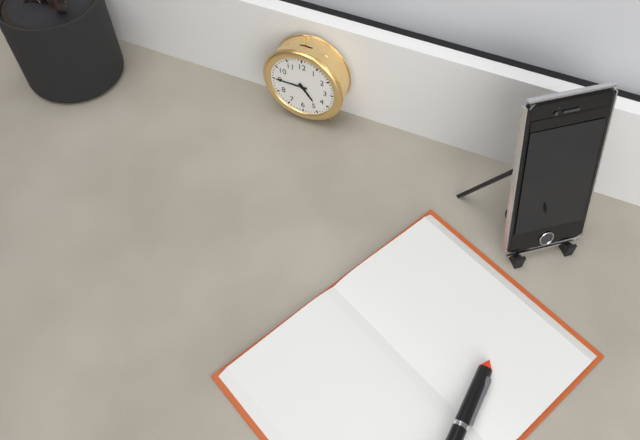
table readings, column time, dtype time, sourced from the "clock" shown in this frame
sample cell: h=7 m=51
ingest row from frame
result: h=4 m=45
